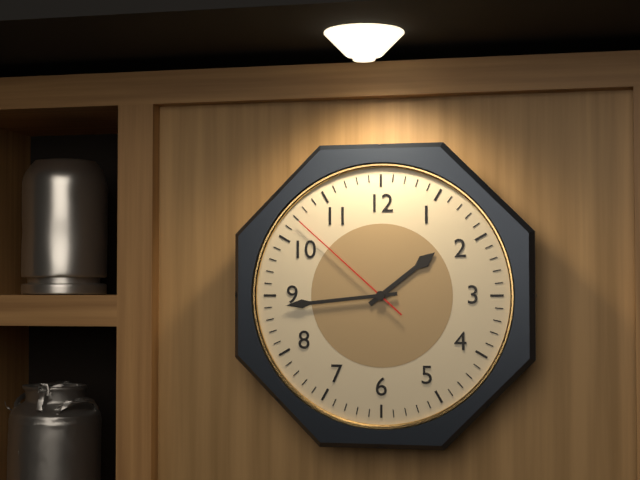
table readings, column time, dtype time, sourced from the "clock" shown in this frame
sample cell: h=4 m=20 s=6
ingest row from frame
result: h=1 m=44 s=52
